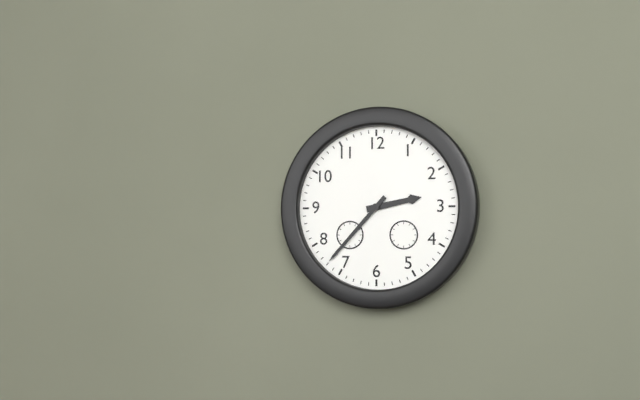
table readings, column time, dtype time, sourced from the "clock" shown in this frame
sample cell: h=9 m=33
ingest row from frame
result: h=2 m=37
